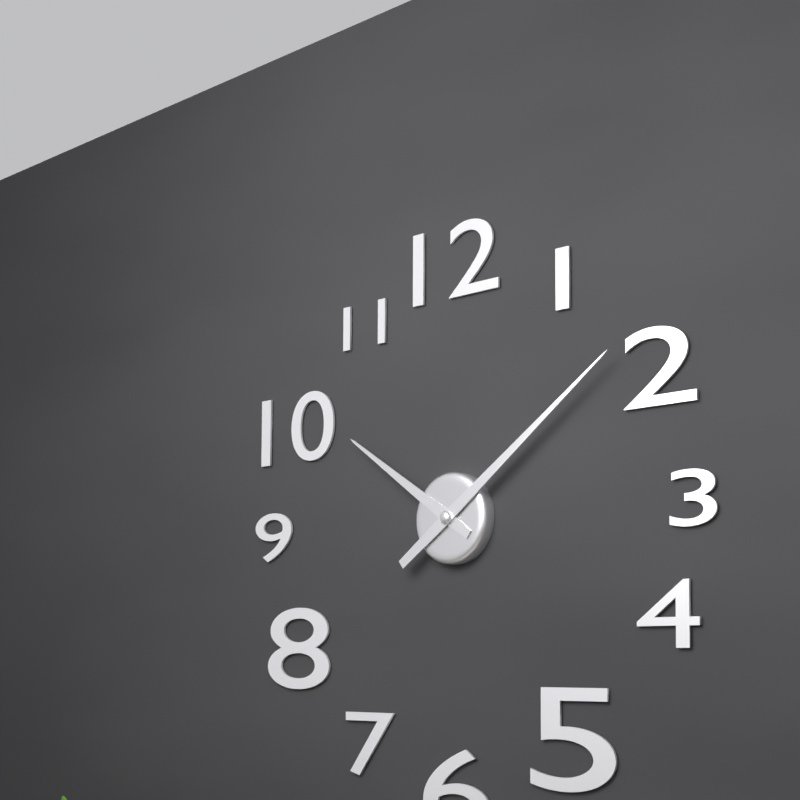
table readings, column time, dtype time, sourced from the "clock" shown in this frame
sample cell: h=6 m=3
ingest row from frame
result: h=10 m=9
